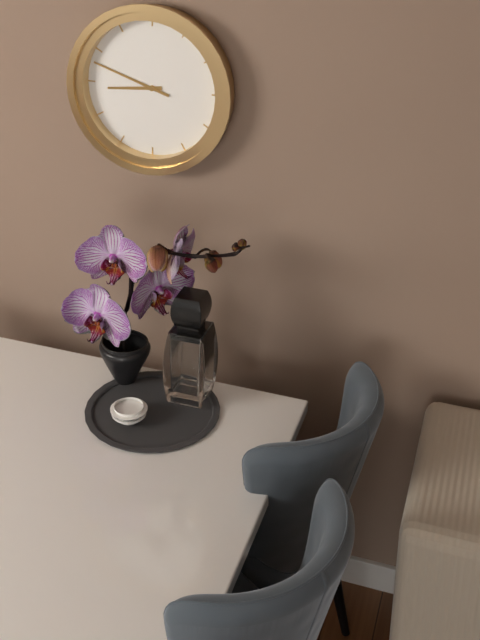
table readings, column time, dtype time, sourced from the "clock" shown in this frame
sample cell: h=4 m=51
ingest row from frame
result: h=8 m=48
